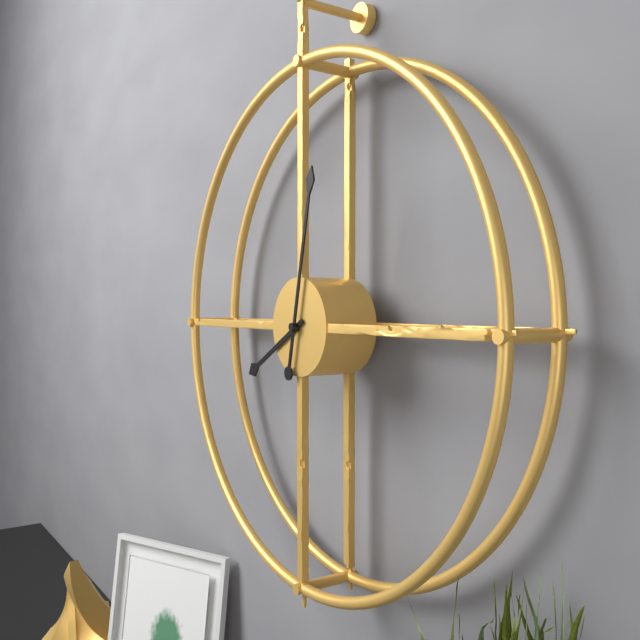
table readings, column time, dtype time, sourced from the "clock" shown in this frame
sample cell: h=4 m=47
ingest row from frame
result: h=8 m=2
